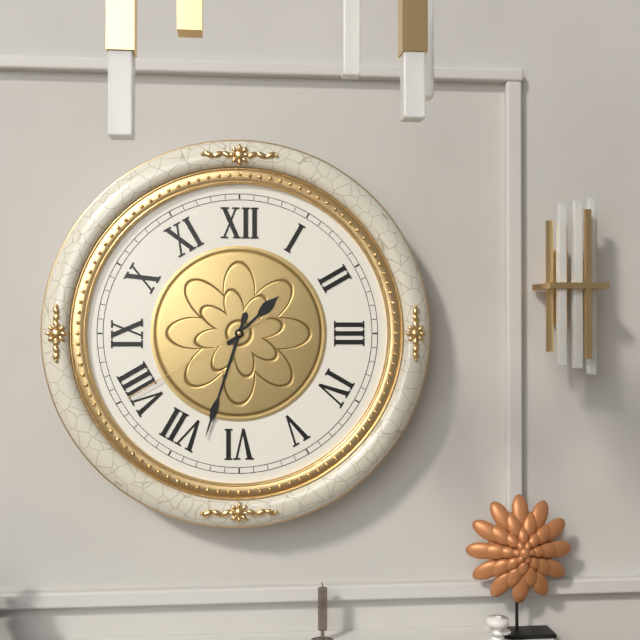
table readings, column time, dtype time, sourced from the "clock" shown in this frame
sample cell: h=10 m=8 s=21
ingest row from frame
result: h=1 m=33 s=40
